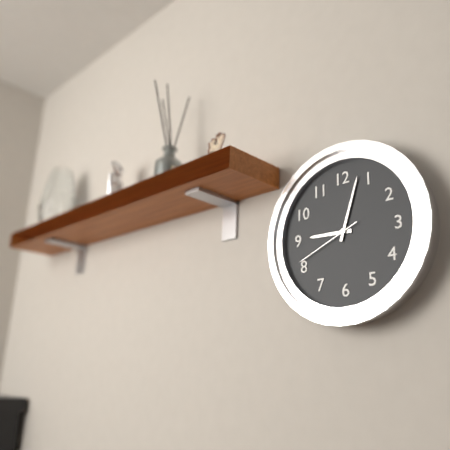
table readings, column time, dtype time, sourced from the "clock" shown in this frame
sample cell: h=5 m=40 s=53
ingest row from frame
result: h=9 m=3 s=41
